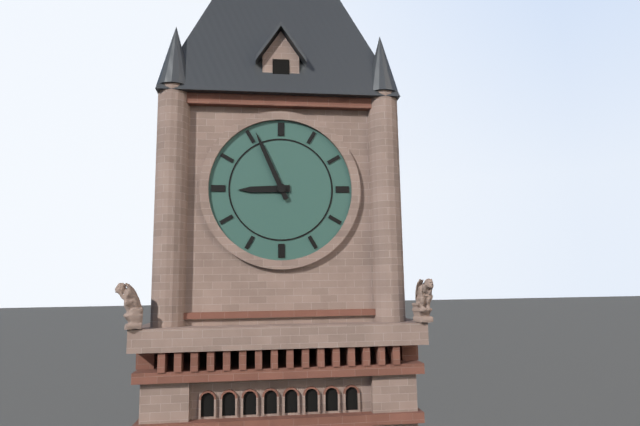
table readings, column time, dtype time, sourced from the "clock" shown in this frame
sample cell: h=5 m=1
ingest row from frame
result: h=8 m=56
